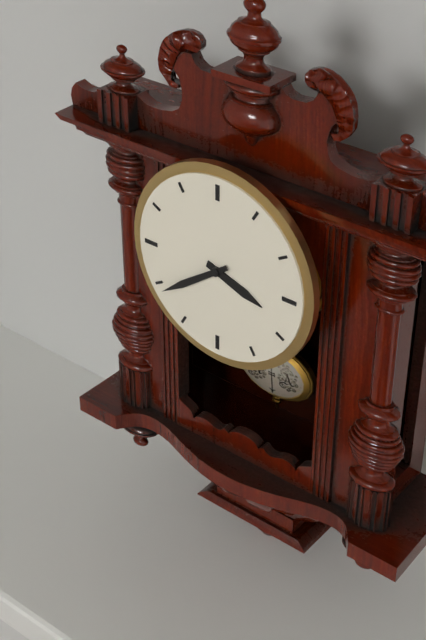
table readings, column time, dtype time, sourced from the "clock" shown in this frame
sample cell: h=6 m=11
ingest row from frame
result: h=3 m=39
